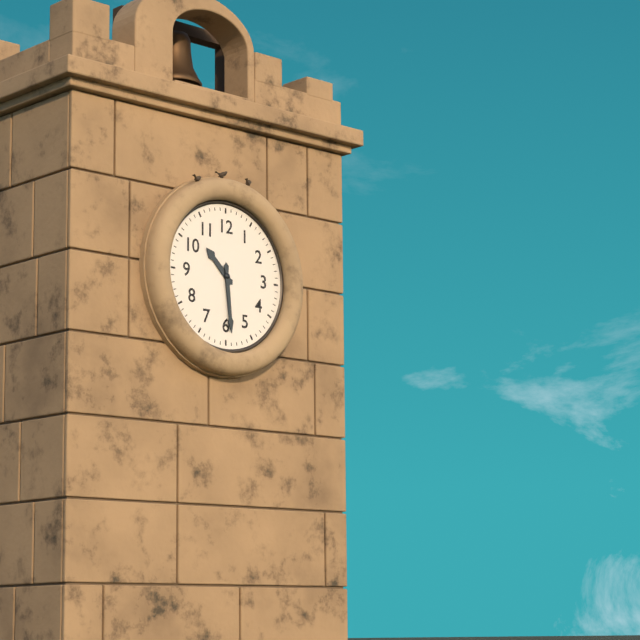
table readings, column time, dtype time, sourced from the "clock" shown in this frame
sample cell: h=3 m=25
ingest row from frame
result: h=10 m=29
